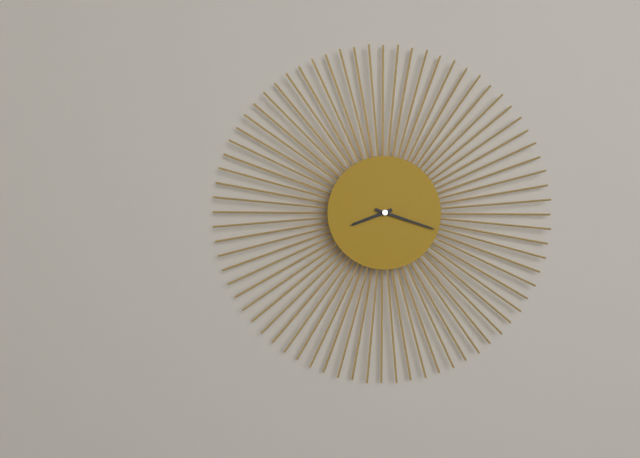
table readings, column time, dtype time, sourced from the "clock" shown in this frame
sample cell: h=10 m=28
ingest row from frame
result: h=8 m=18
